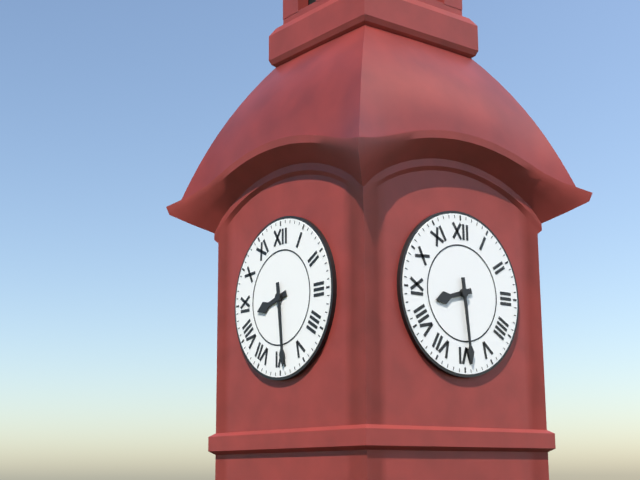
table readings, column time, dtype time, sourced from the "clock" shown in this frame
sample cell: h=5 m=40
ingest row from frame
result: h=8 m=29
